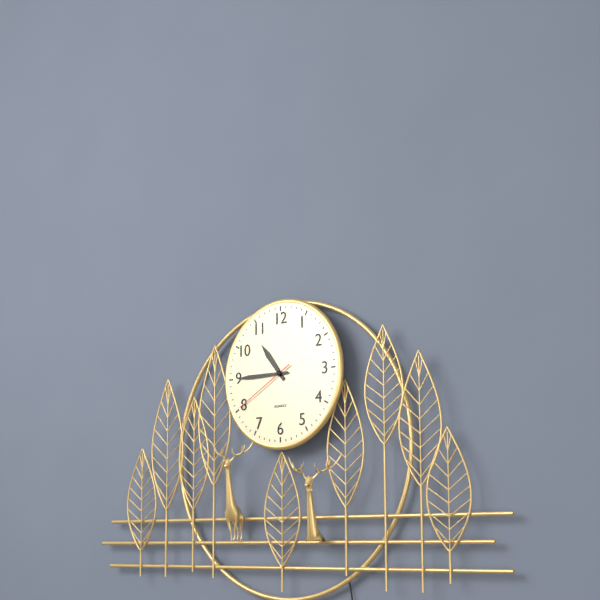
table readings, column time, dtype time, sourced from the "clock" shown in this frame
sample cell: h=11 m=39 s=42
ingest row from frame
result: h=10 m=45 s=40
